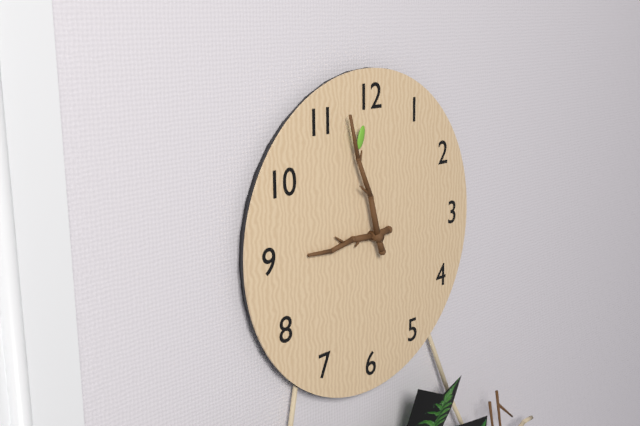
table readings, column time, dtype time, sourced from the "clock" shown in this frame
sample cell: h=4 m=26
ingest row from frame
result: h=8 m=57
